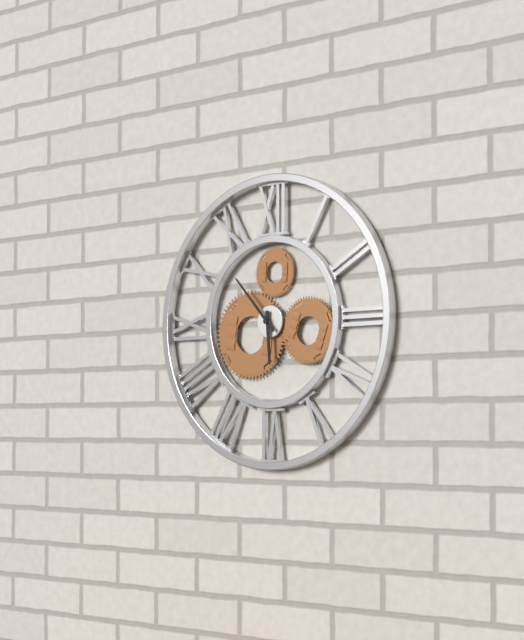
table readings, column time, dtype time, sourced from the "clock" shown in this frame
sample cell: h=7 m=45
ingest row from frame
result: h=5 m=53
